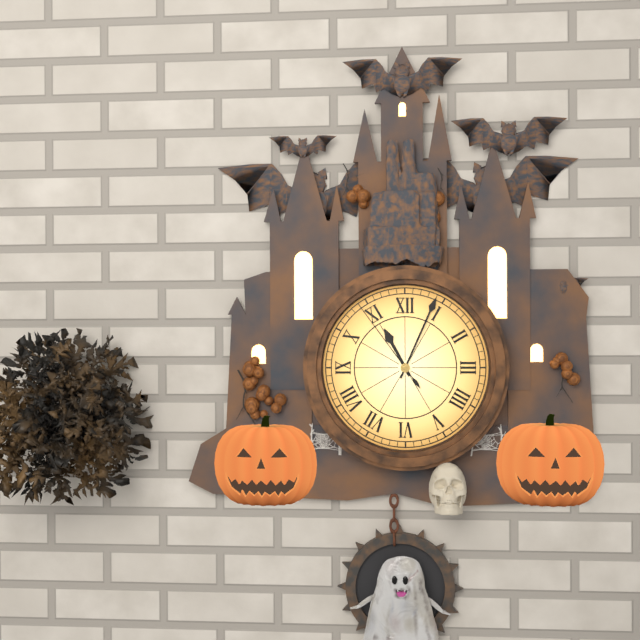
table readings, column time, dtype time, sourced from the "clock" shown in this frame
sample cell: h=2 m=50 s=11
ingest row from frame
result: h=11 m=4 s=54
